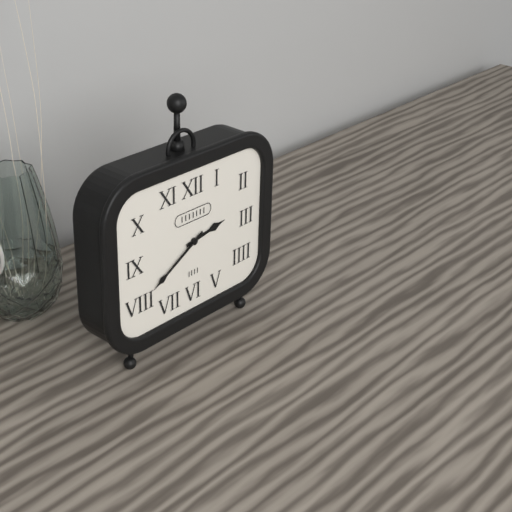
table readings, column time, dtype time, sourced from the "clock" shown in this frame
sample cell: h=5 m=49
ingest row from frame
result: h=2 m=40
